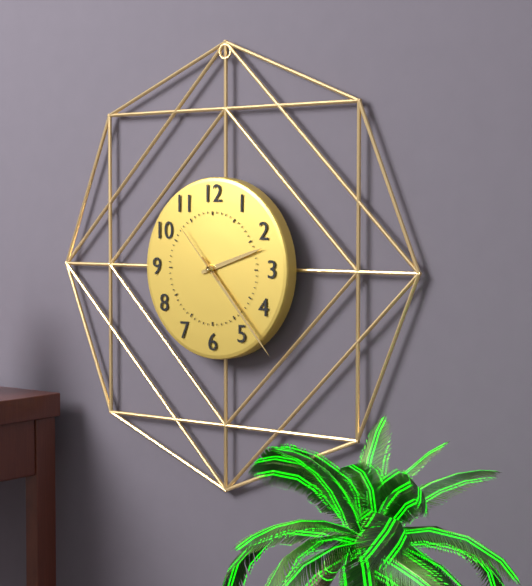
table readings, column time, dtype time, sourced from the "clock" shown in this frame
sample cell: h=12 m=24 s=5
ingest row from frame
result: h=2 m=23 s=53
